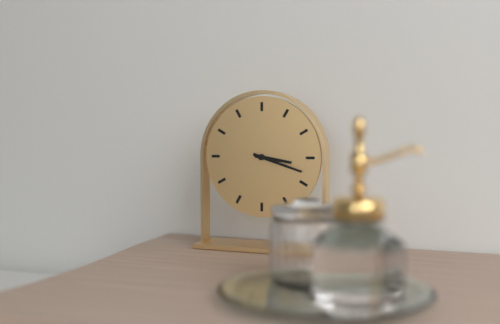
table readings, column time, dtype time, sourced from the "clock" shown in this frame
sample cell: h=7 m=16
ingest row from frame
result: h=3 m=18
